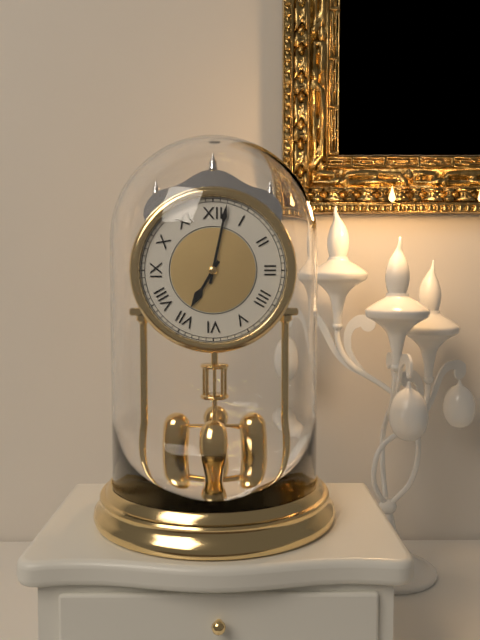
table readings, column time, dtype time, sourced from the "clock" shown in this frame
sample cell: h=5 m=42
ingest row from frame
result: h=7 m=2
